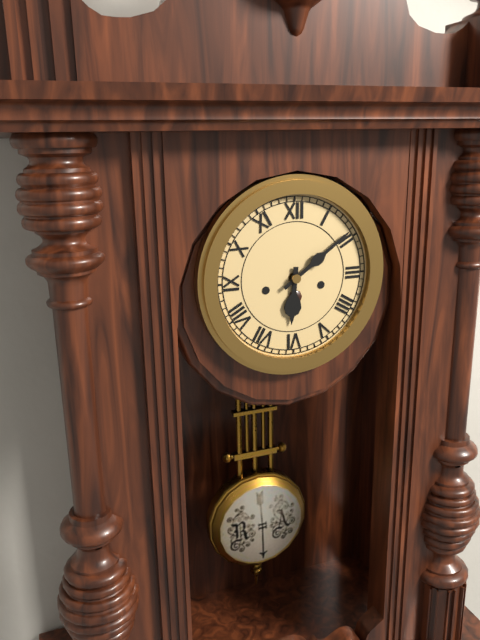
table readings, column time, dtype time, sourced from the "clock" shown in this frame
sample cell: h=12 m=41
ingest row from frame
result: h=6 m=9
